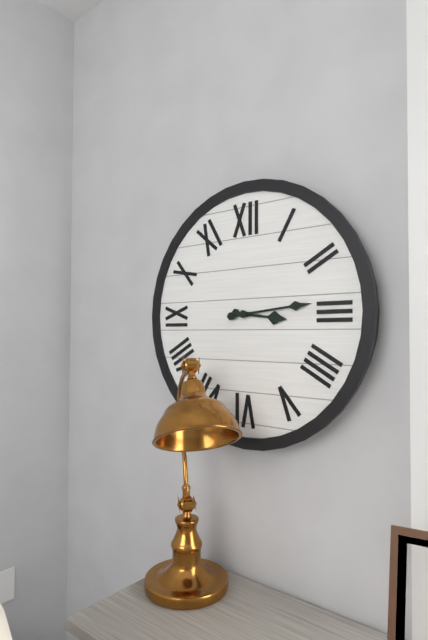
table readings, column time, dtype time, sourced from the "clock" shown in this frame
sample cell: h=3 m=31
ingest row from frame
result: h=3 m=14
